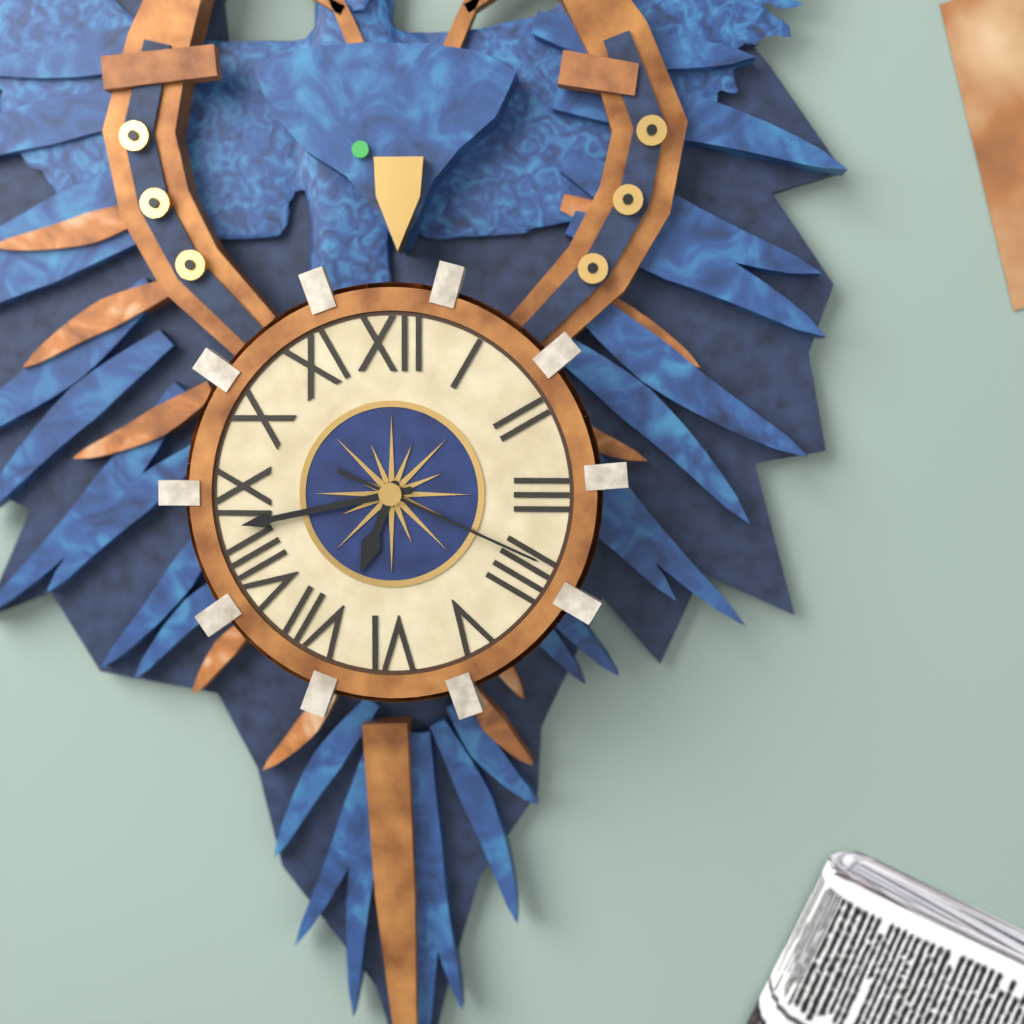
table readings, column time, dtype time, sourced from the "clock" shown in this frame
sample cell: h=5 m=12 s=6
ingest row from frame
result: h=6 m=43 s=19
